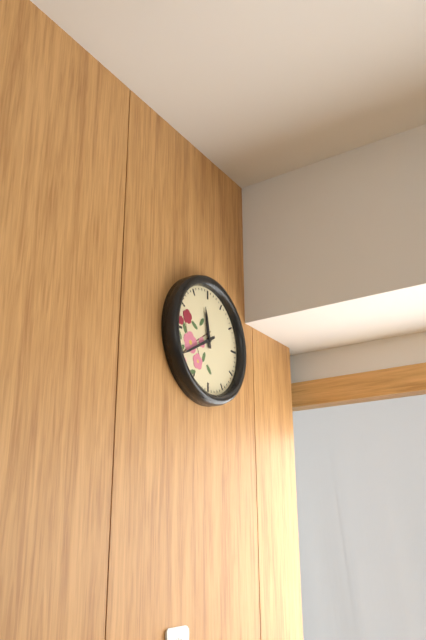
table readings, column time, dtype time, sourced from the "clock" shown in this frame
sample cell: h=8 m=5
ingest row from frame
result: h=11 m=40
